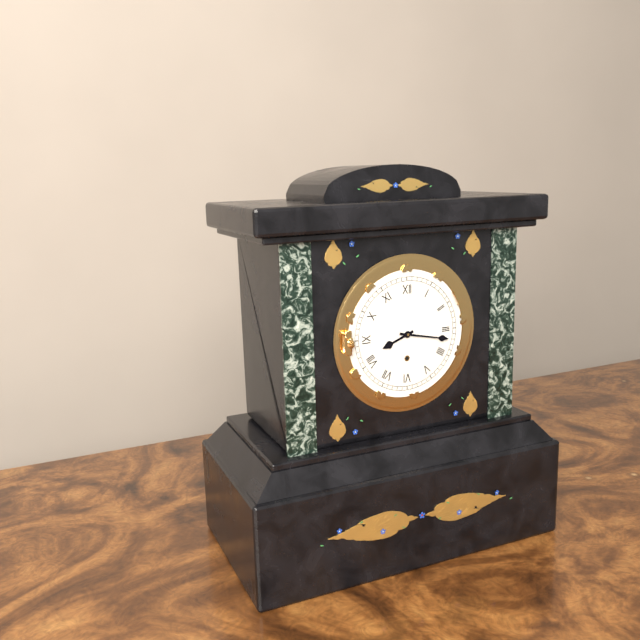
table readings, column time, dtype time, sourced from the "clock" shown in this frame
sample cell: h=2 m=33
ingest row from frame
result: h=8 m=17
